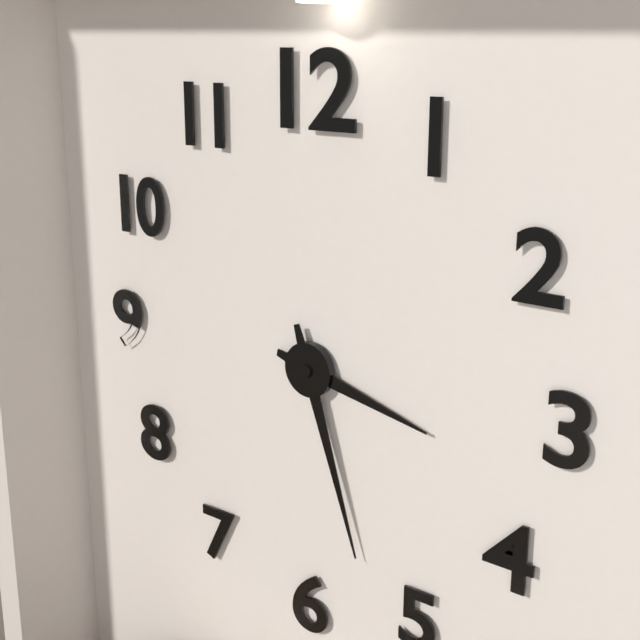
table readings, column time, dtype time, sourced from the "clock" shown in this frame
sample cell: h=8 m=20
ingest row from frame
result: h=3 m=27
